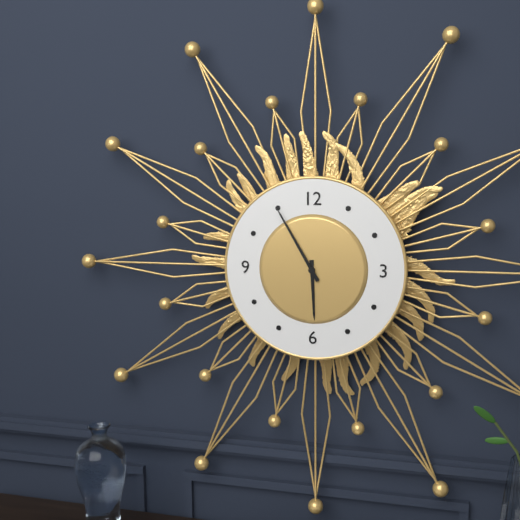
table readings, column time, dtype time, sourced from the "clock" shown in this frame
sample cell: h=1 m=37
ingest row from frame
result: h=5 m=55
